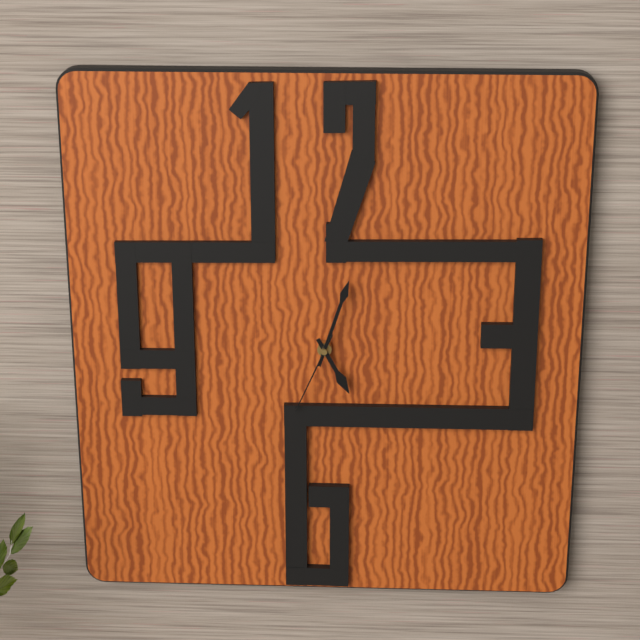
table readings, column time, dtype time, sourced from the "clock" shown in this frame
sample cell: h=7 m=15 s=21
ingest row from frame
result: h=5 m=3 s=34
